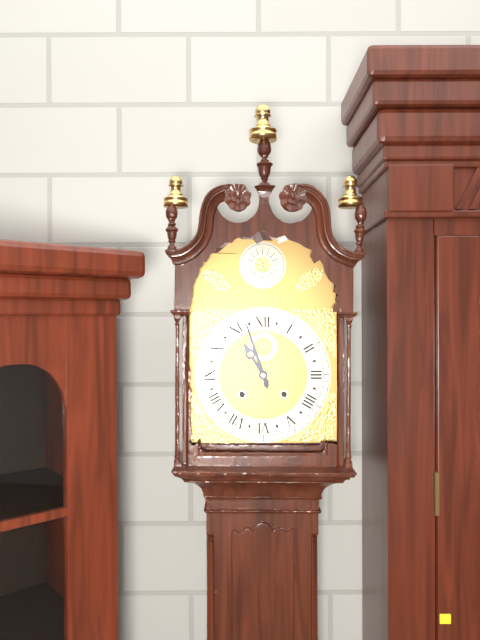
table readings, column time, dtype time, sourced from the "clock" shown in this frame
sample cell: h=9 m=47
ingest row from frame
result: h=10 m=57
